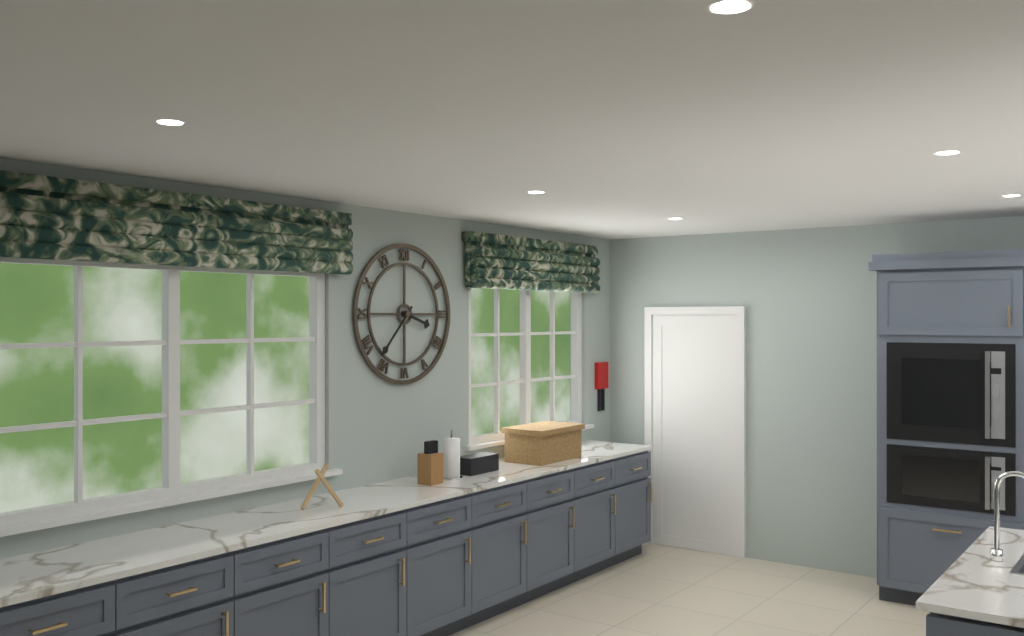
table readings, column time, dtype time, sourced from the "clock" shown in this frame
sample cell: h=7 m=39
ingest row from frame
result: h=3 m=37
